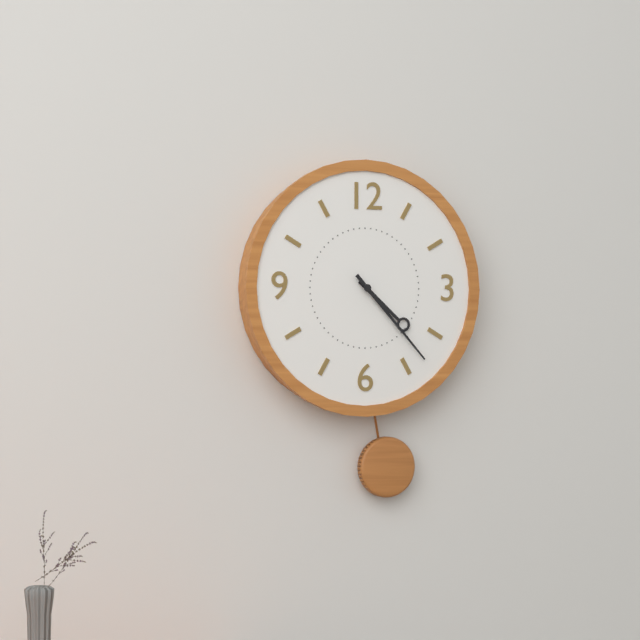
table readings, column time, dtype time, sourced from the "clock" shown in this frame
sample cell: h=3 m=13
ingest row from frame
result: h=4 m=23
